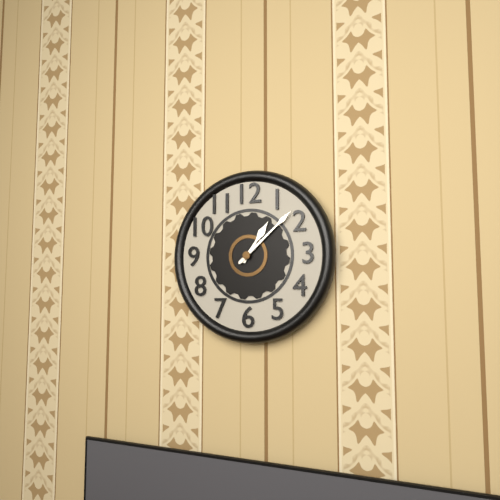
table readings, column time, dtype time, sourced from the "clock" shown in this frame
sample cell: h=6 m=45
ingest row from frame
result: h=1 m=8
